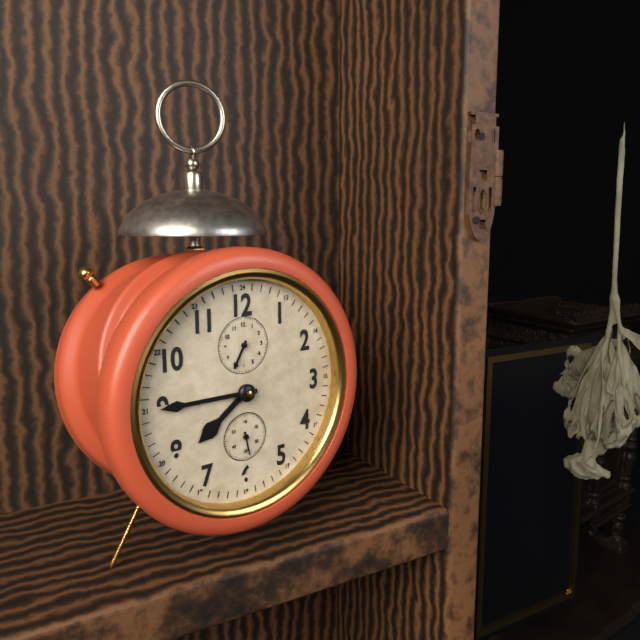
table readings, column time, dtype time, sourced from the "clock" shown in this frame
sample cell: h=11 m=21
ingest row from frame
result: h=7 m=45
